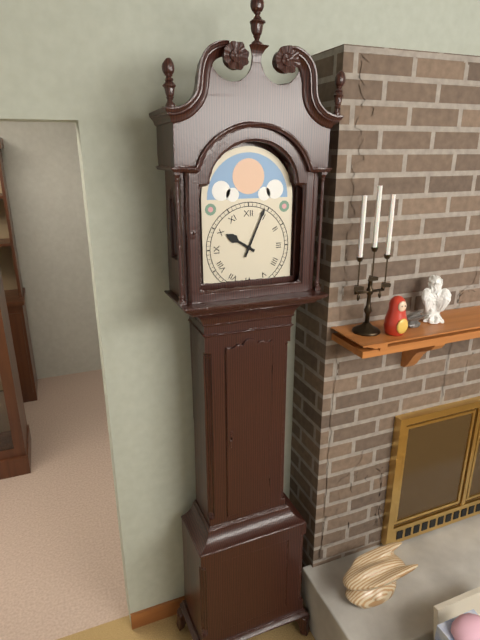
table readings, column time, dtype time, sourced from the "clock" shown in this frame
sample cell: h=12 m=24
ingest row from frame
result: h=10 m=4
